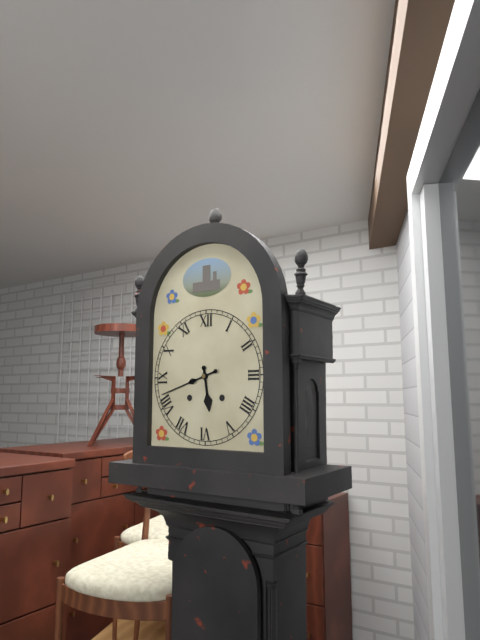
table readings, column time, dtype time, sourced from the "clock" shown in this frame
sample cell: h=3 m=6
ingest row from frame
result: h=5 m=42
